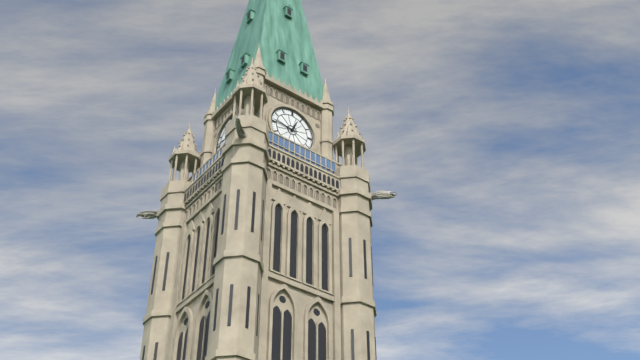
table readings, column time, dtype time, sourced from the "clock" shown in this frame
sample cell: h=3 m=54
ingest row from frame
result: h=12 m=46
